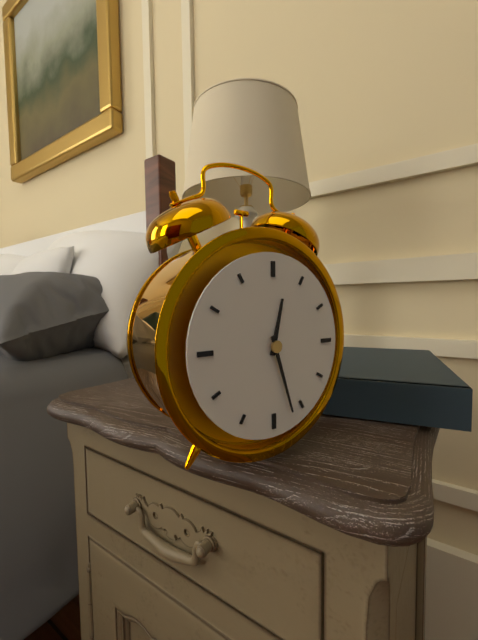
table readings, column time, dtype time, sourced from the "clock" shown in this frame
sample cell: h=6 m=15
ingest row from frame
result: h=12 m=27
